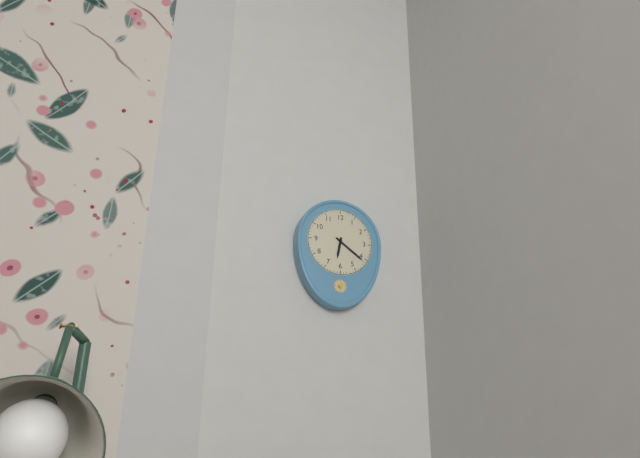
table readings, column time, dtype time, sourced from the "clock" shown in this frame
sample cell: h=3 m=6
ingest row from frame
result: h=6 m=21
